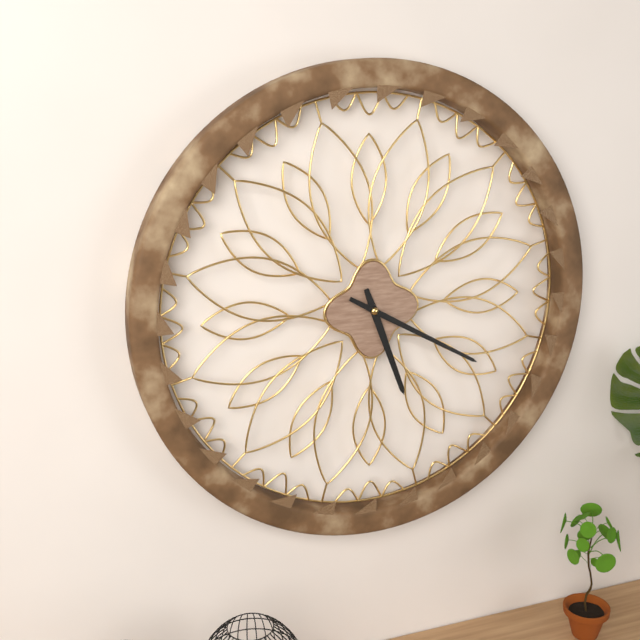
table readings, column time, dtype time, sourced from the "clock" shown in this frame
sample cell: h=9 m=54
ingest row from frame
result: h=5 m=20
